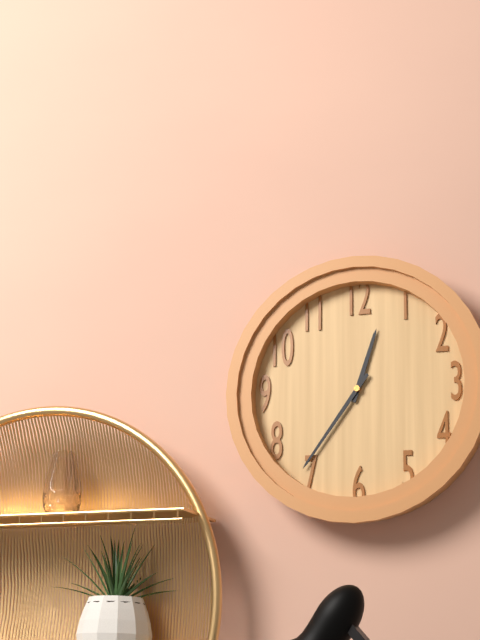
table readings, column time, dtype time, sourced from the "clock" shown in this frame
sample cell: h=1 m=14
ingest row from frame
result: h=12 m=36
